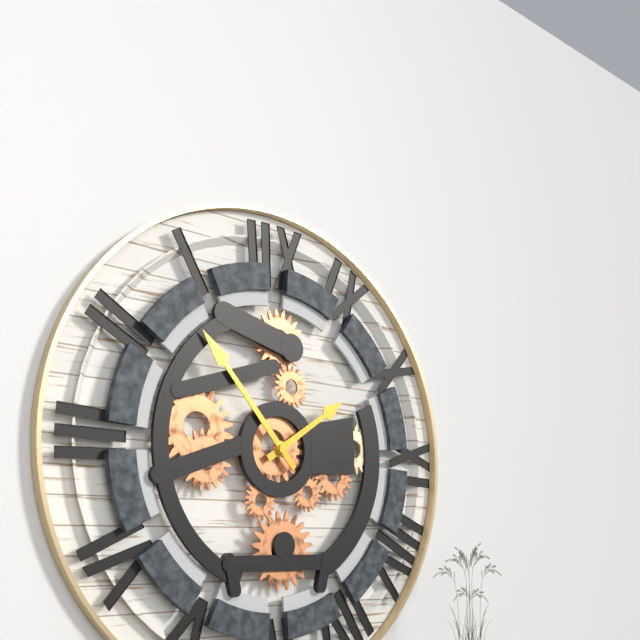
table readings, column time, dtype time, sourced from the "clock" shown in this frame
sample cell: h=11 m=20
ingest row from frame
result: h=1 m=53
